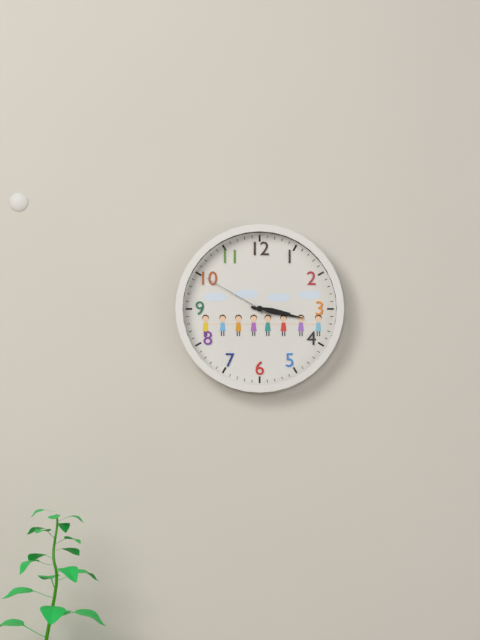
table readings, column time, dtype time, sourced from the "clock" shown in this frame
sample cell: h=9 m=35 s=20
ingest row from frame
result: h=3 m=17 s=50
